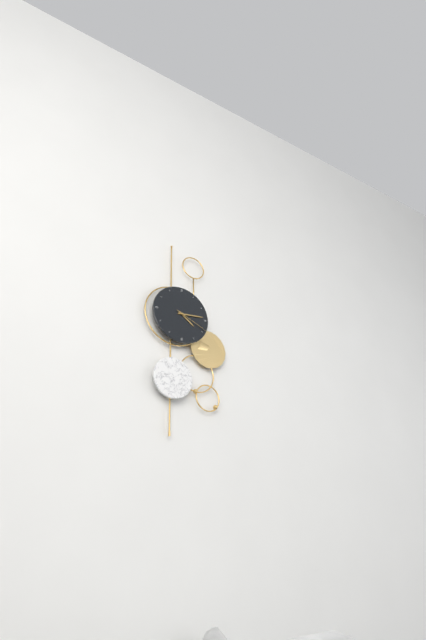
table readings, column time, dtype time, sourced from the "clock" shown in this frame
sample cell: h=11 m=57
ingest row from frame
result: h=4 m=14
